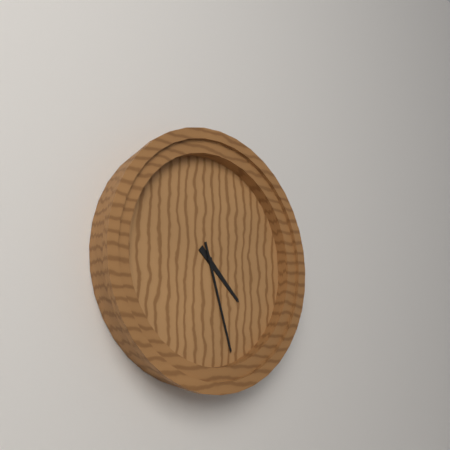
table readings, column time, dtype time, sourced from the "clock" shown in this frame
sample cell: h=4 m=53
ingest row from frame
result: h=4 m=27
